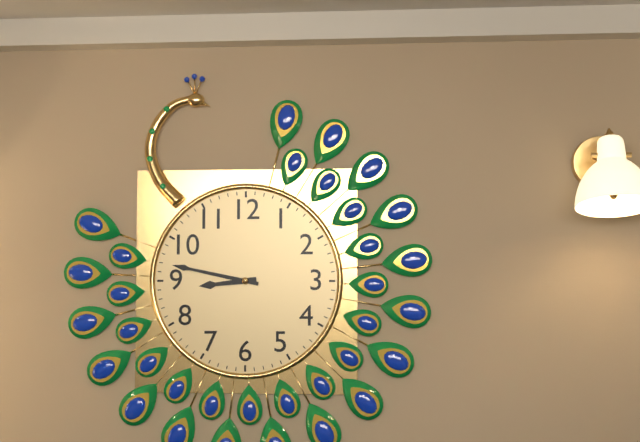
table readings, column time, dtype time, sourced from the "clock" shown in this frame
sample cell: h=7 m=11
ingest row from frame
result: h=8 m=47
